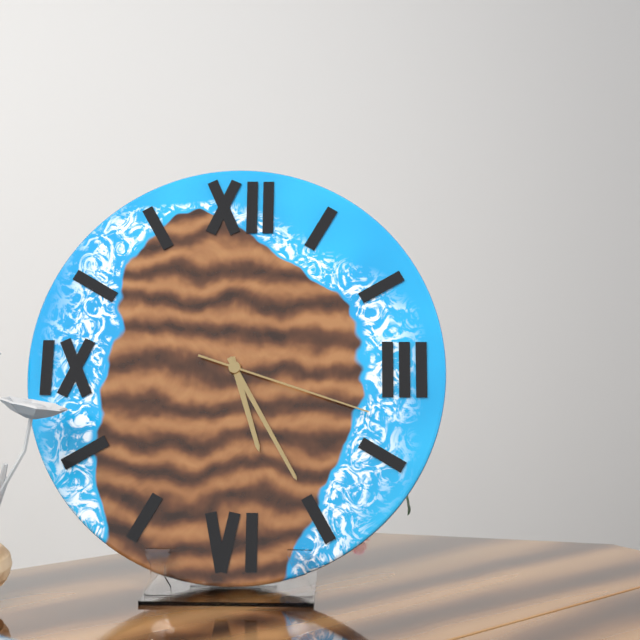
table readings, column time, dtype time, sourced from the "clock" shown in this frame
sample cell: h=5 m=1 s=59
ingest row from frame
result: h=5 m=25 s=18
